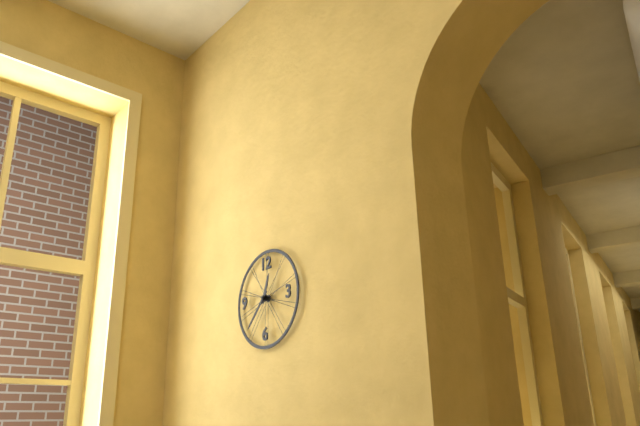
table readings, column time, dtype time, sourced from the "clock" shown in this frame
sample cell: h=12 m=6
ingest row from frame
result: h=12 m=37
